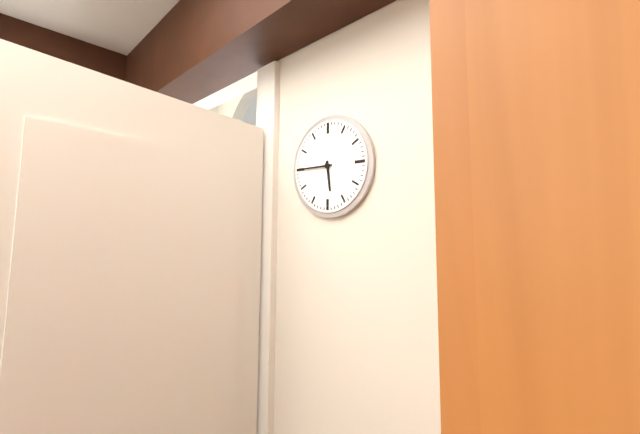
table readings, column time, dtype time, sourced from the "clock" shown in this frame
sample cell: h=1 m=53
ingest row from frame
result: h=5 m=45
